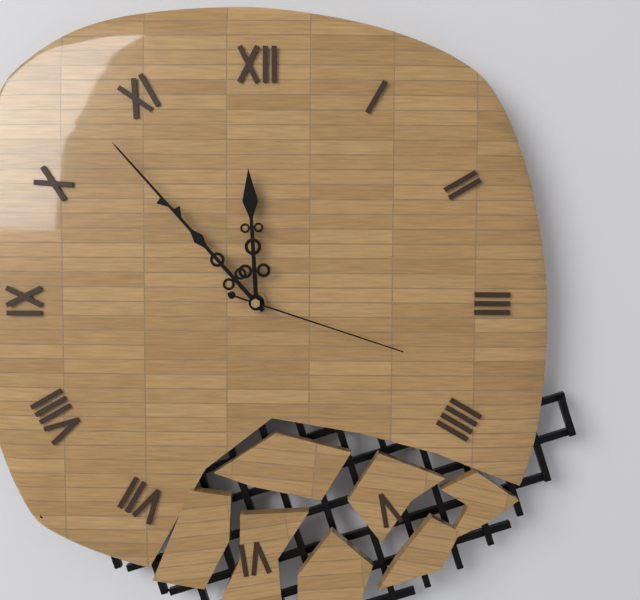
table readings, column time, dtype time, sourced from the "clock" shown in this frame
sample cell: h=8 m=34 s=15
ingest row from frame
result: h=11 m=53 s=18
